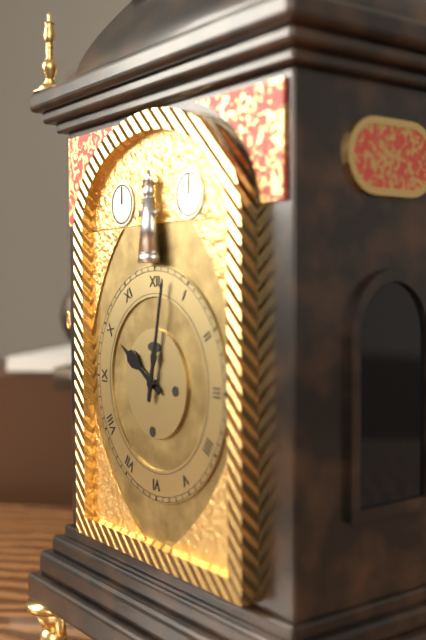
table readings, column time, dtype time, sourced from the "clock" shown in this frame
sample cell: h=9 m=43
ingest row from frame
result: h=10 m=2
